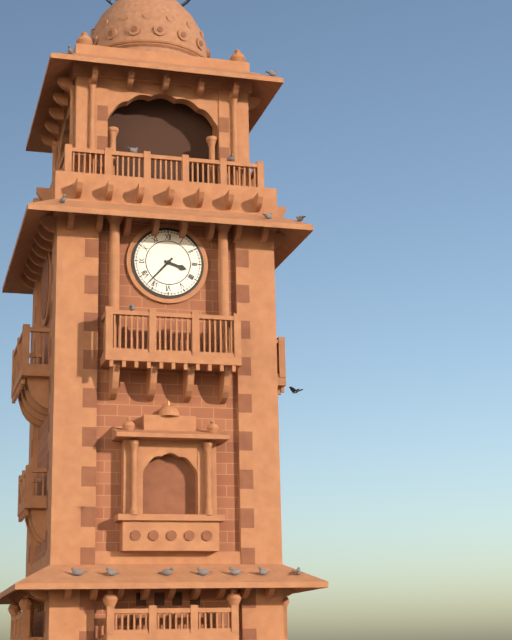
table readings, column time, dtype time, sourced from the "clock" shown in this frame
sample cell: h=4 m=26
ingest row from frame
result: h=3 m=37
